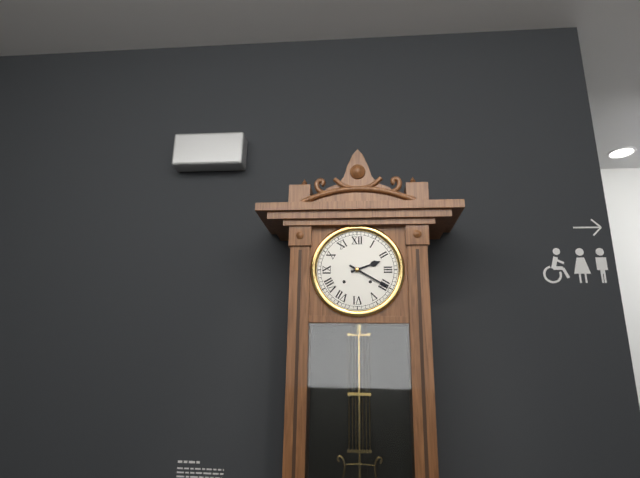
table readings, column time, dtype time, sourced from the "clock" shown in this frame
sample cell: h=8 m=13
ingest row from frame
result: h=2 m=20
